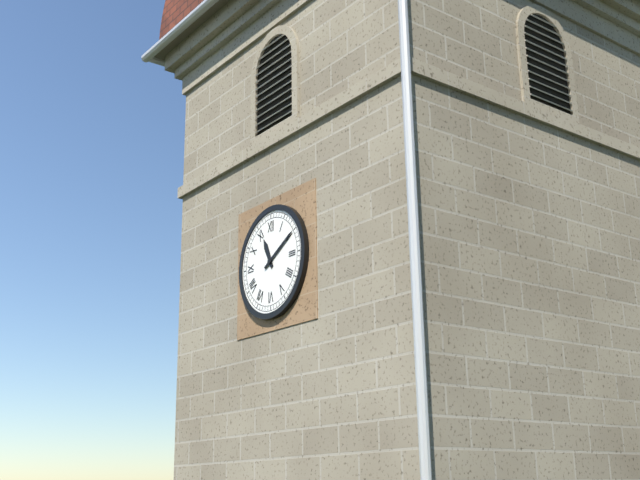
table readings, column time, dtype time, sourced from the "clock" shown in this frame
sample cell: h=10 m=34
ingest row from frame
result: h=11 m=10
